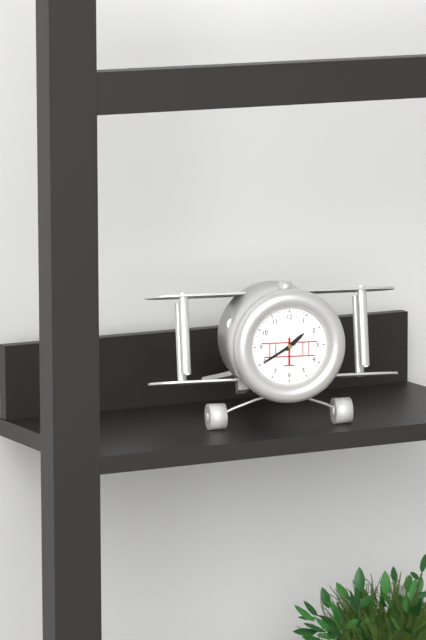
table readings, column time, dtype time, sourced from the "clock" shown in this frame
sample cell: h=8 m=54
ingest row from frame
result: h=1 m=40
